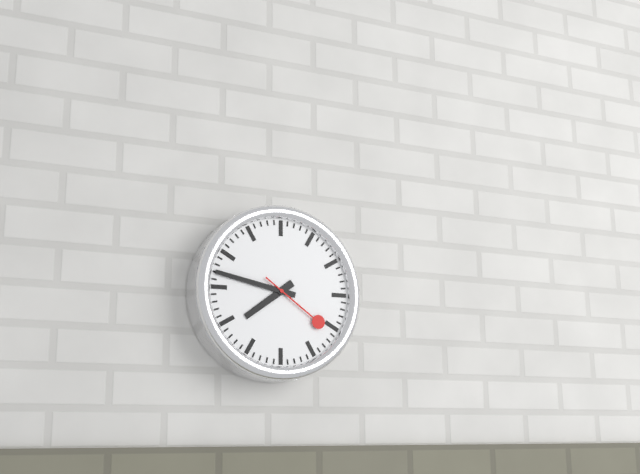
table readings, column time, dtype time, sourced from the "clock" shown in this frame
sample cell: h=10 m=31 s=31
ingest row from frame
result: h=7 m=47 s=21
